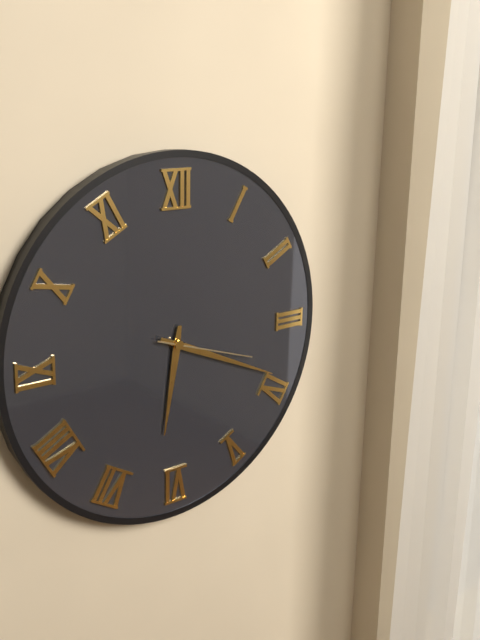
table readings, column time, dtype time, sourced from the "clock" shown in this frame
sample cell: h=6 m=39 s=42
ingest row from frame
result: h=6 m=19 s=18
